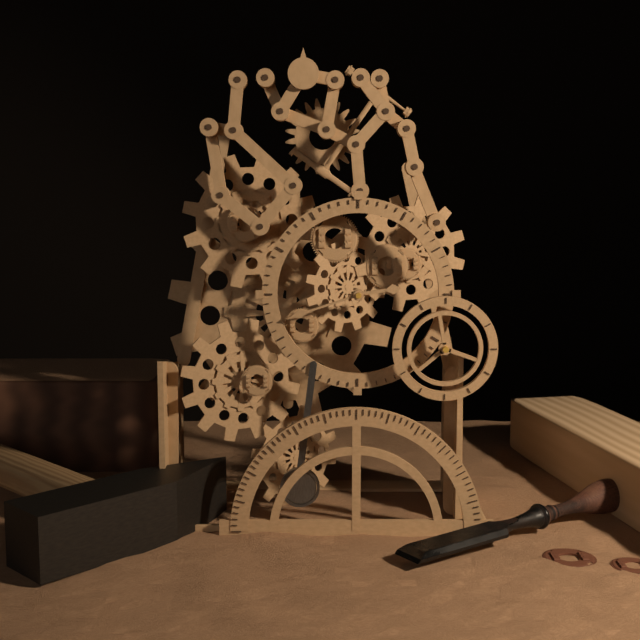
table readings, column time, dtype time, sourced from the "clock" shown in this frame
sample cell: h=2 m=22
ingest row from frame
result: h=2 m=42
